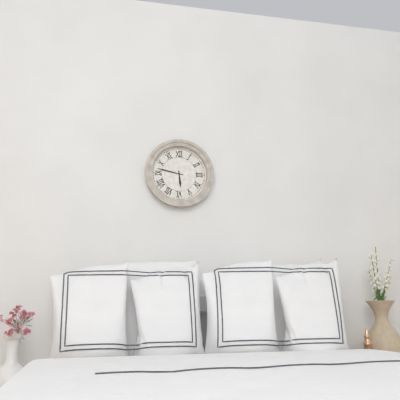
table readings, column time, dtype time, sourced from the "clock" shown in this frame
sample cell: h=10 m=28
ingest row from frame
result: h=5 m=47
